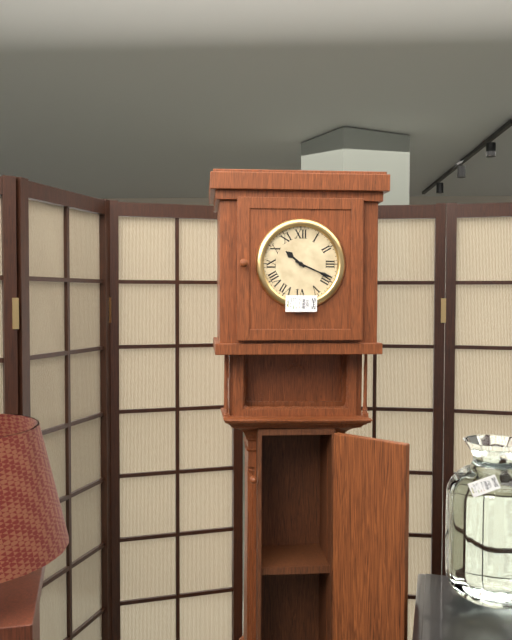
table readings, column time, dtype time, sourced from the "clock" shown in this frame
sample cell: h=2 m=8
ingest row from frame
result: h=10 m=19
